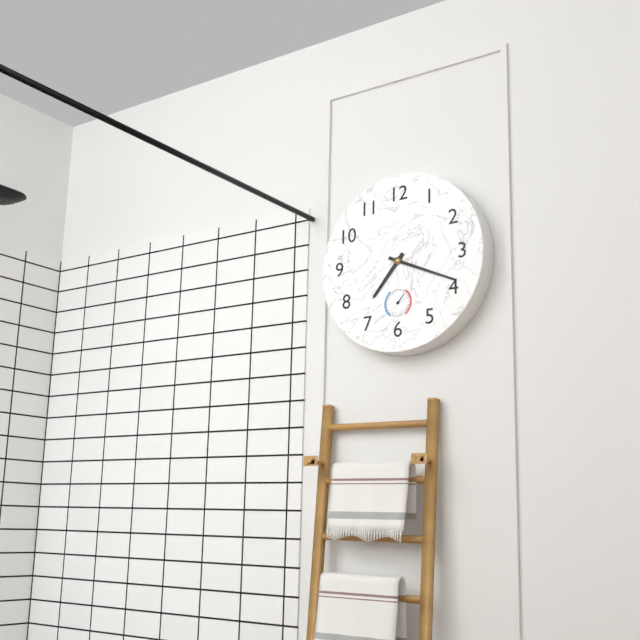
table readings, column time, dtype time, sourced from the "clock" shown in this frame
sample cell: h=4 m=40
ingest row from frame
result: h=7 m=19
